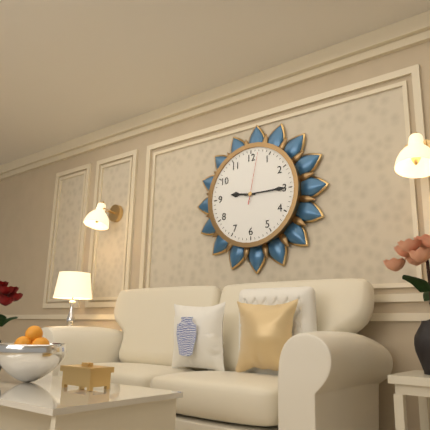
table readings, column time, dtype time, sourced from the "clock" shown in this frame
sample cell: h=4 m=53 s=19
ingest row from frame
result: h=9 m=15 s=2
